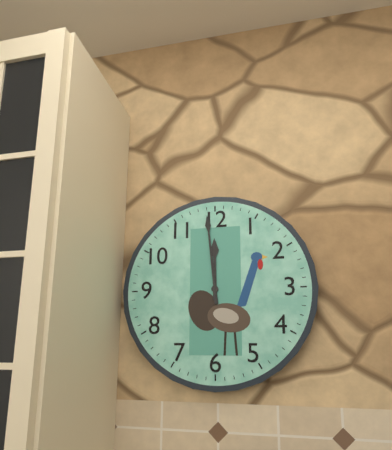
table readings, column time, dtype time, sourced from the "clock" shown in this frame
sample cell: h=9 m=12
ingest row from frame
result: h=11 m=59
